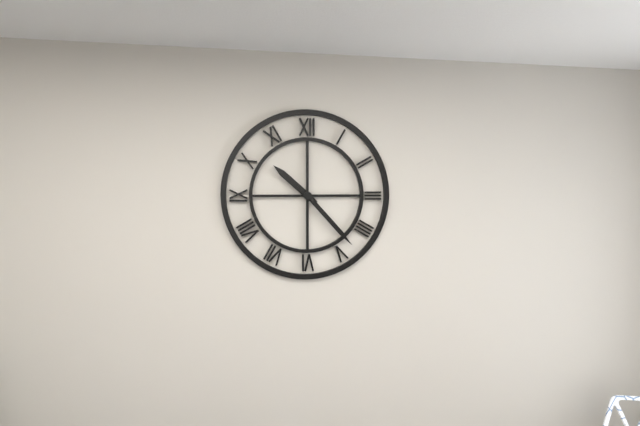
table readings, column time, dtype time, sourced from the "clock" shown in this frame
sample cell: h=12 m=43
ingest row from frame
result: h=10 m=23
